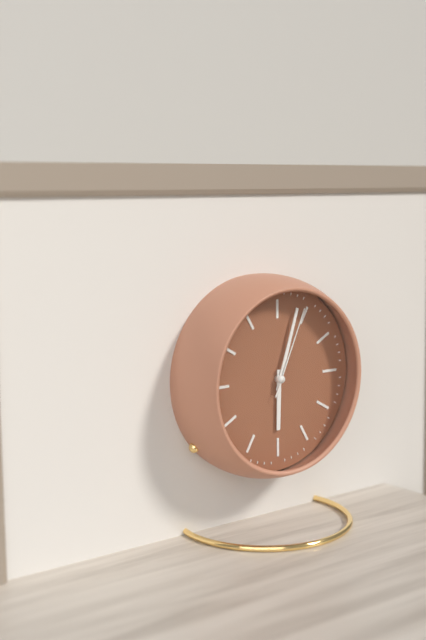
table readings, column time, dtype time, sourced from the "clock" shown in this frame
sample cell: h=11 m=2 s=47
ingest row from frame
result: h=6 m=3 s=4
